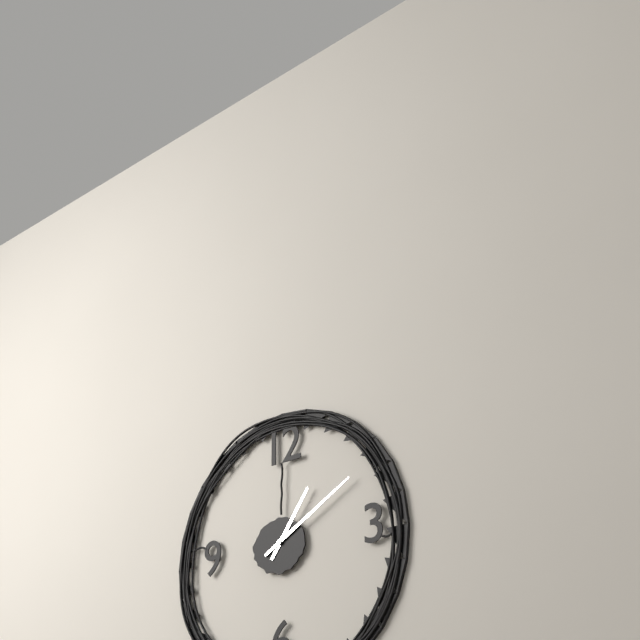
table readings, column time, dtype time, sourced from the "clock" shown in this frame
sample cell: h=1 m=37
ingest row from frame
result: h=1 m=10
